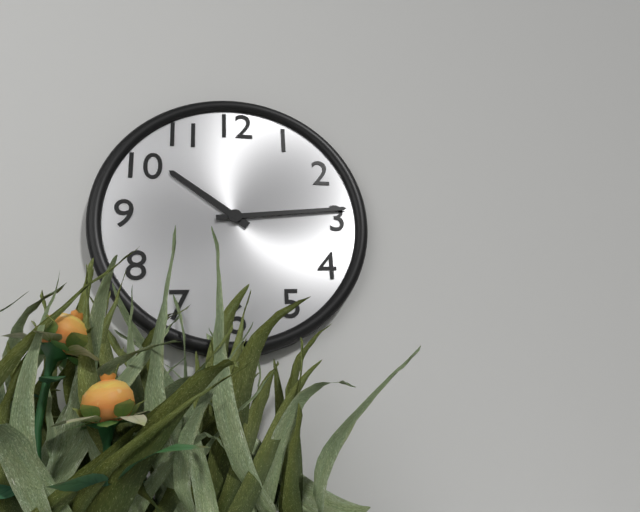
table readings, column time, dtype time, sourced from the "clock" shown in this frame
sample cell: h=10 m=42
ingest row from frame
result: h=10 m=14
